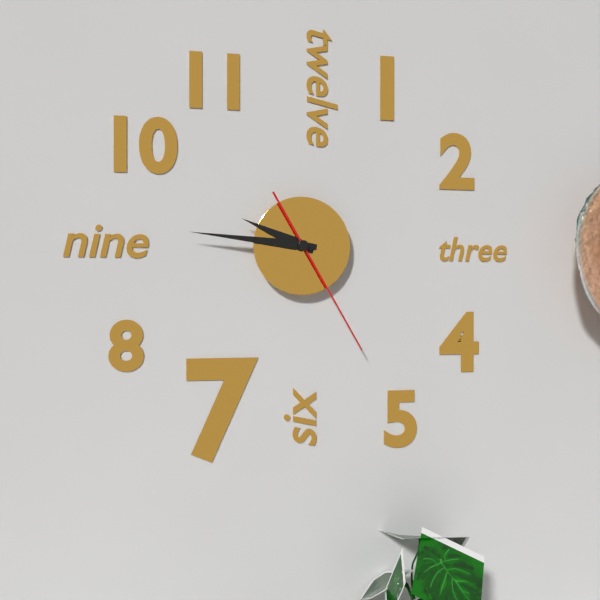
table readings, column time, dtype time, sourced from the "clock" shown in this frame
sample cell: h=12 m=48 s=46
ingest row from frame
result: h=9 m=46 s=25
